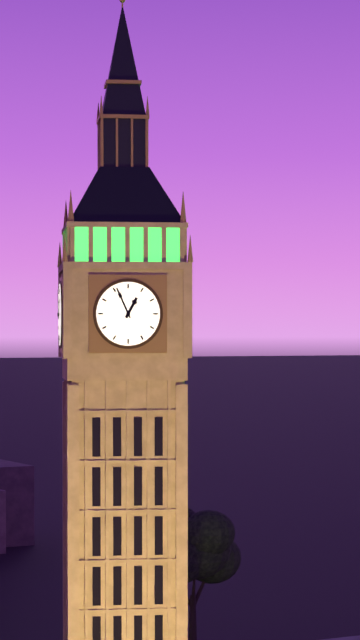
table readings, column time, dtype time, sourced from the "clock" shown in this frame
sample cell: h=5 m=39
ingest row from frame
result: h=12 m=56
